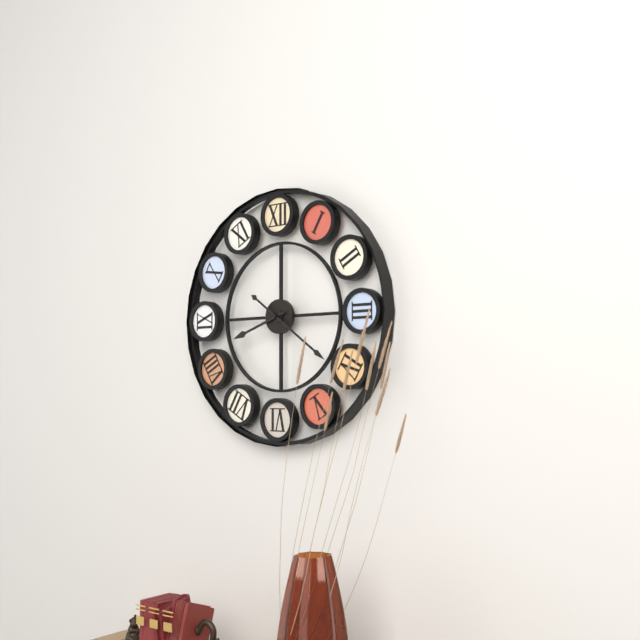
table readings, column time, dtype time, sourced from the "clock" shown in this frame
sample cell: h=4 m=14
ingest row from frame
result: h=8 m=21
